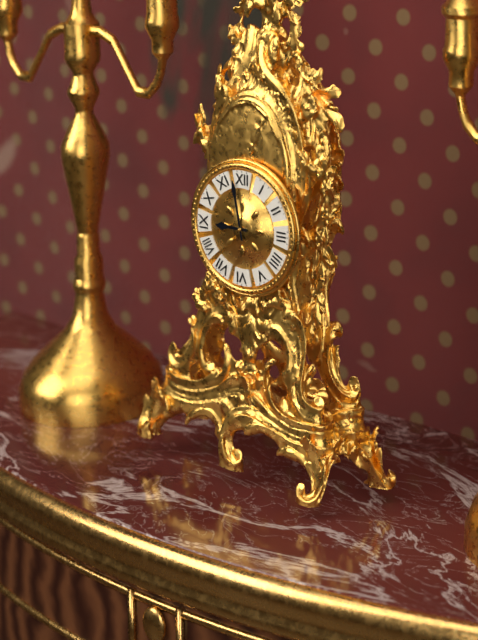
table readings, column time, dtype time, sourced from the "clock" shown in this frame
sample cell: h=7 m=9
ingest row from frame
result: h=8 m=58
